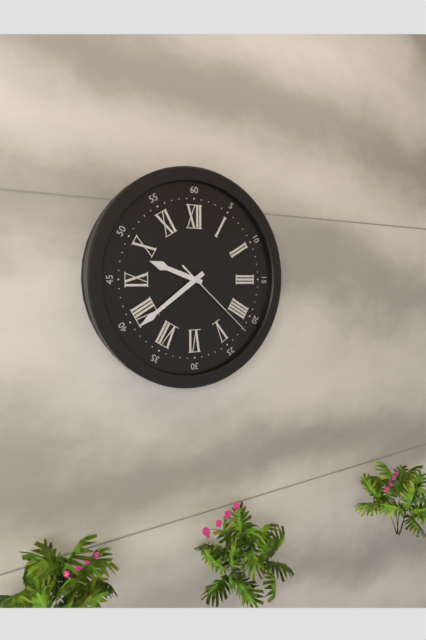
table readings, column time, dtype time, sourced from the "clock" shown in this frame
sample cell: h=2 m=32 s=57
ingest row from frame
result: h=9 m=39 s=22
